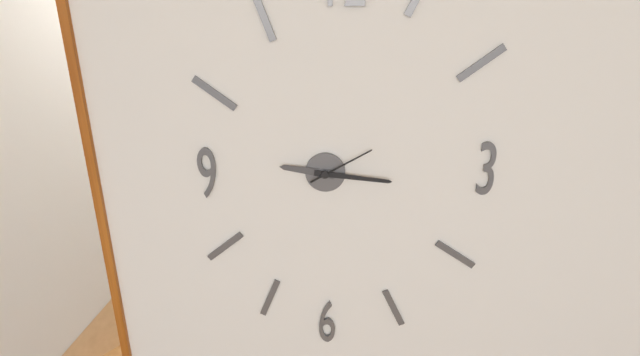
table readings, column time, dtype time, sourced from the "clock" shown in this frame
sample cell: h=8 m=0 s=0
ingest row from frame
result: h=9 m=16 s=10
